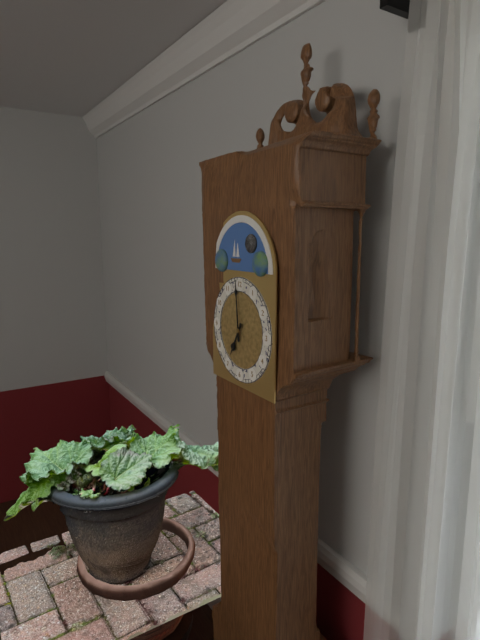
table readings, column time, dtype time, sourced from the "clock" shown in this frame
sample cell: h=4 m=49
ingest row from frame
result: h=6 m=59
